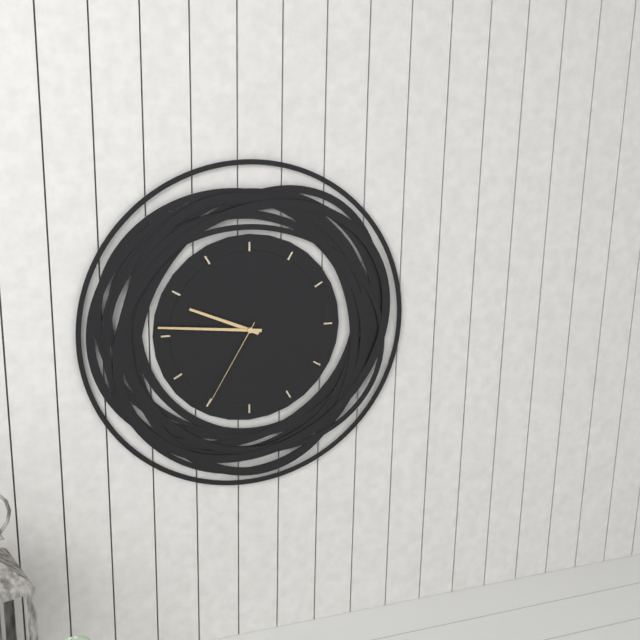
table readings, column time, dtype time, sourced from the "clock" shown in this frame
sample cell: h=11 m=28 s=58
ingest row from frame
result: h=9 m=46 s=35
